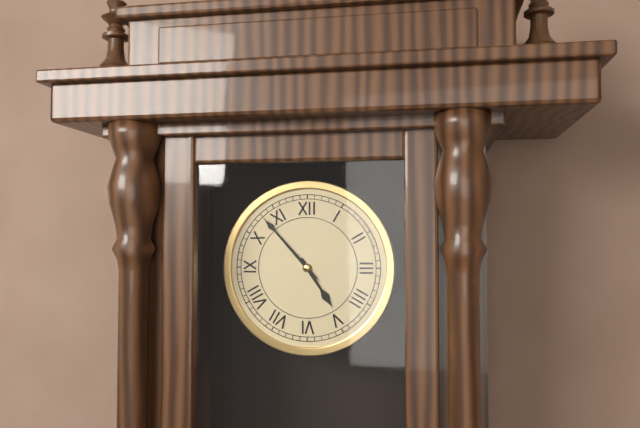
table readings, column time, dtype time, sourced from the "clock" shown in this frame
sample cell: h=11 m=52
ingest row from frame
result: h=4 m=53
